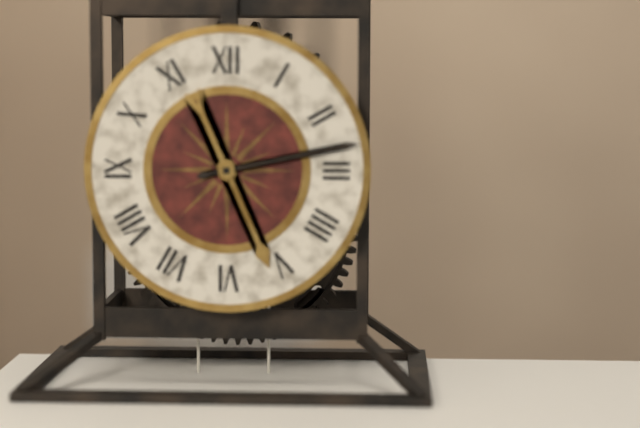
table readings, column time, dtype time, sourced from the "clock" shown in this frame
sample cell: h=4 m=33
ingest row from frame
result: h=5 m=13
